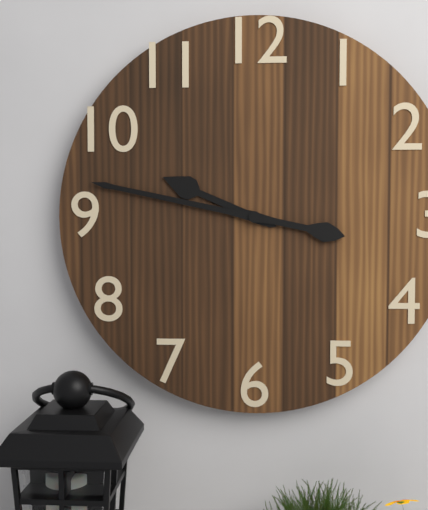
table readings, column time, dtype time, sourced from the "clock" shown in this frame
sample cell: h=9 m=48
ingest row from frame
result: h=9 m=47
